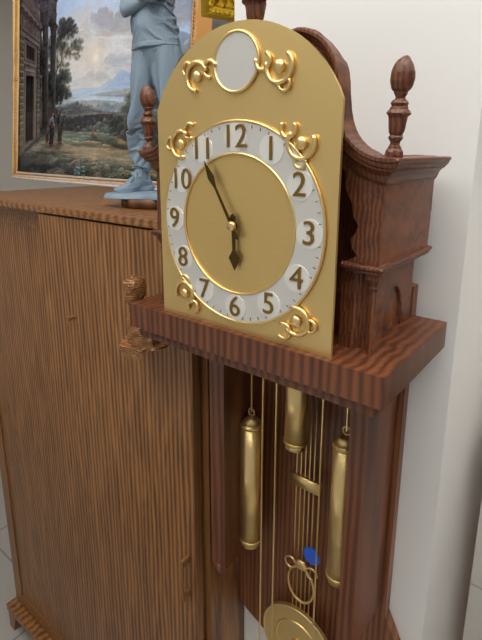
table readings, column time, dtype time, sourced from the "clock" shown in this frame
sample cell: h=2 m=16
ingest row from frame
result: h=5 m=55
